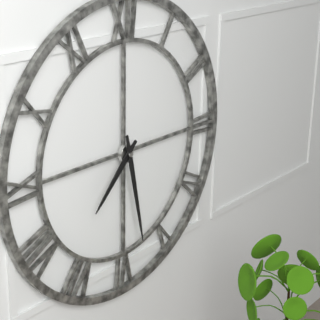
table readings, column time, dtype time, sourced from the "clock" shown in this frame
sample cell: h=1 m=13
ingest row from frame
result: h=7 m=28
